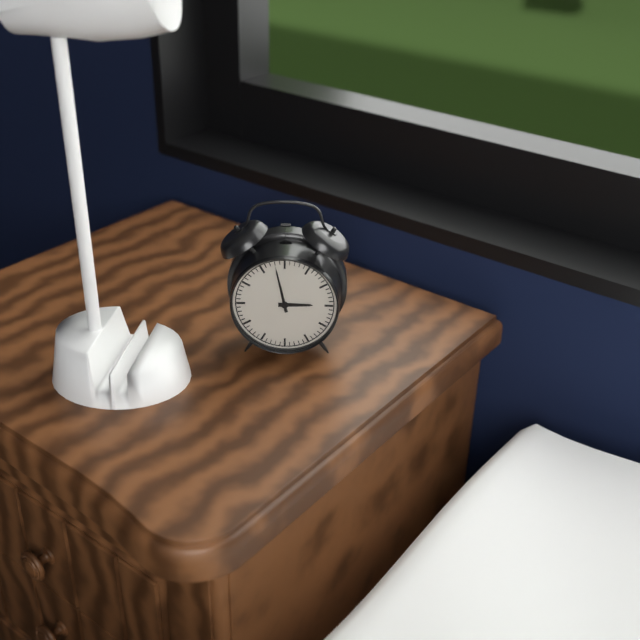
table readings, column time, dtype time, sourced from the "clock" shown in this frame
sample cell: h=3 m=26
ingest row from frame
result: h=2 m=58
